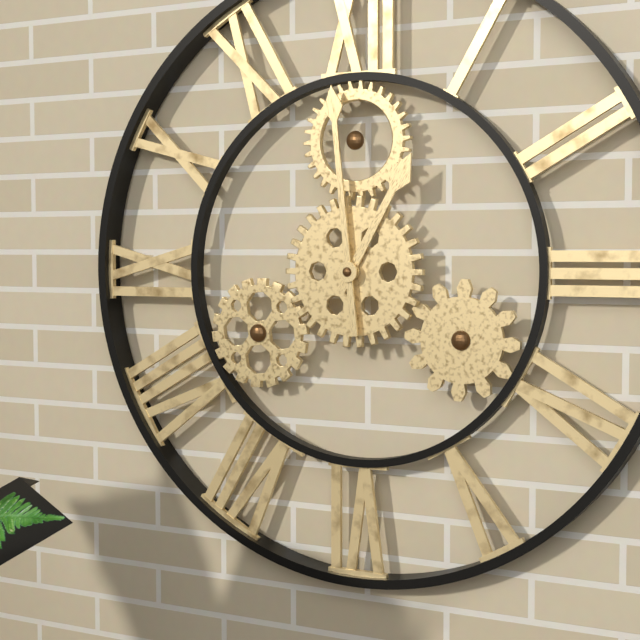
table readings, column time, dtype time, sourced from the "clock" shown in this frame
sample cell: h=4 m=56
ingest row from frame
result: h=12 m=59
